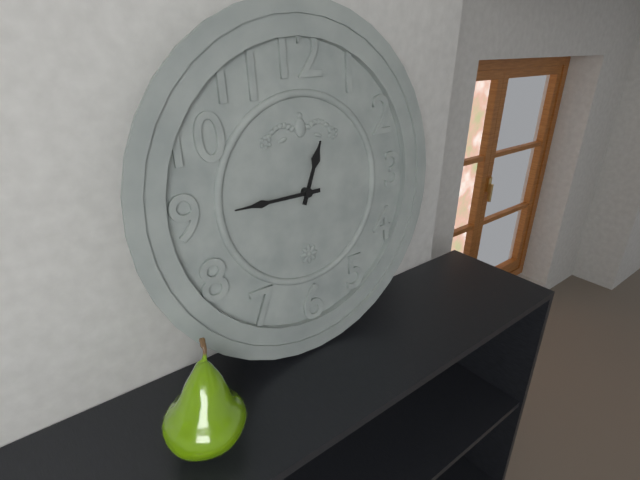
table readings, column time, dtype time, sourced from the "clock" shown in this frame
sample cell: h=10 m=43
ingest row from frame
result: h=12 m=45
